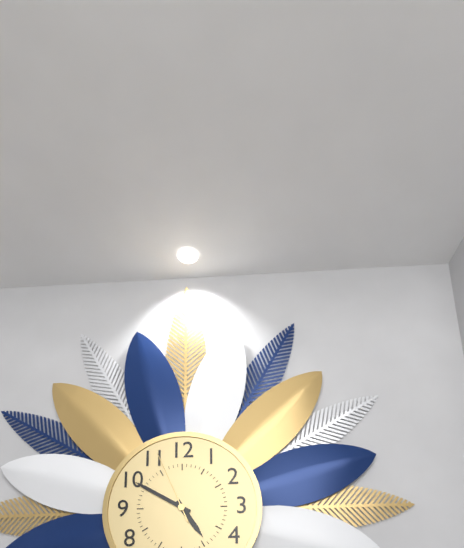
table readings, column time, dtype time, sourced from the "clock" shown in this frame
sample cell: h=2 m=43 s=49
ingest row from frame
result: h=4 m=50 s=56
